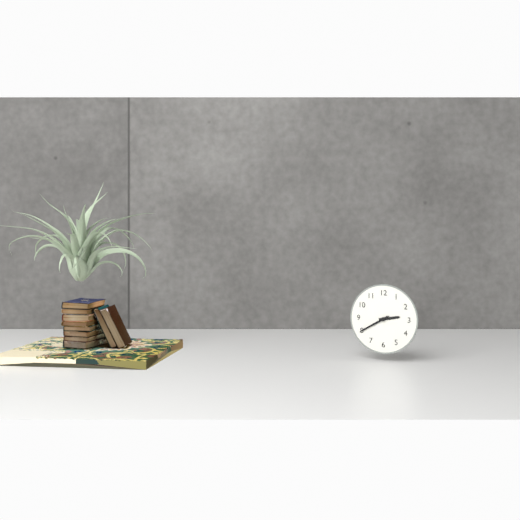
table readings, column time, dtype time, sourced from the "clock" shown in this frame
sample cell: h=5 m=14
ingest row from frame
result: h=2 m=40
